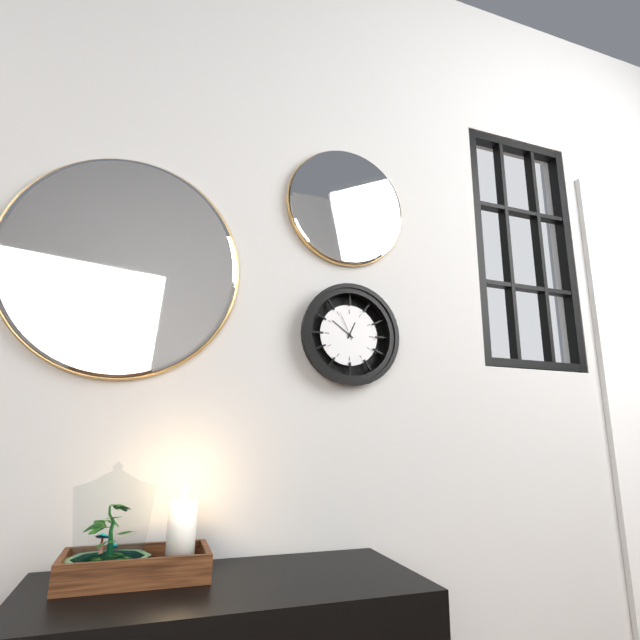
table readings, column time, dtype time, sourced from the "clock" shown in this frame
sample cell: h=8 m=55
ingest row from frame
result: h=12 m=51
